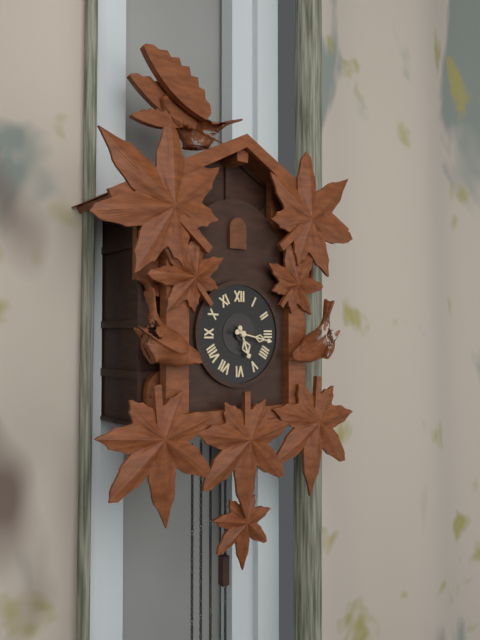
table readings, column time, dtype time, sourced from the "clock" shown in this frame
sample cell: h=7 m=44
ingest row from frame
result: h=5 m=17
